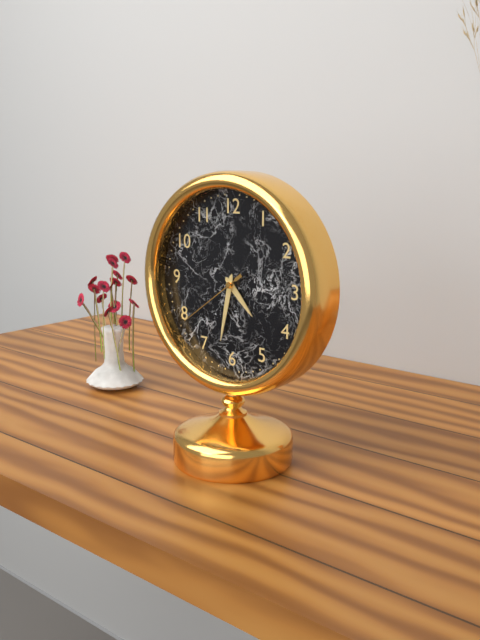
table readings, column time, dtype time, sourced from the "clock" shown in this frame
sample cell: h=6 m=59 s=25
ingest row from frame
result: h=4 m=32 s=39
